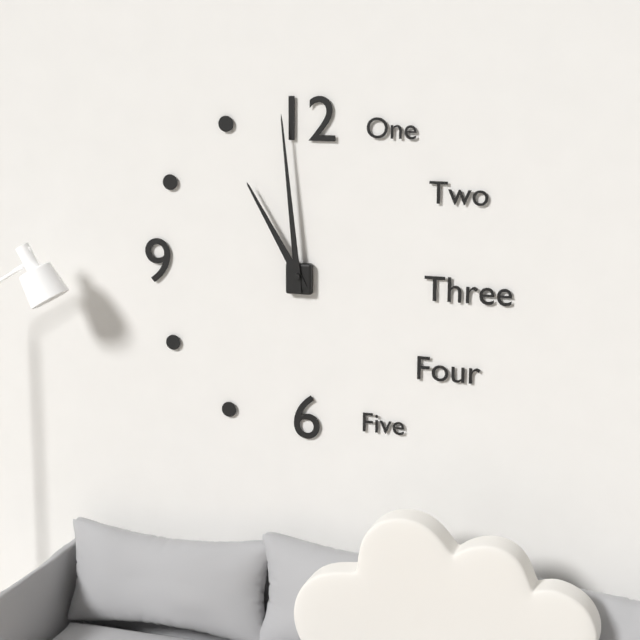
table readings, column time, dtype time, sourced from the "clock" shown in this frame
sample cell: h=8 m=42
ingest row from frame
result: h=10 m=59
